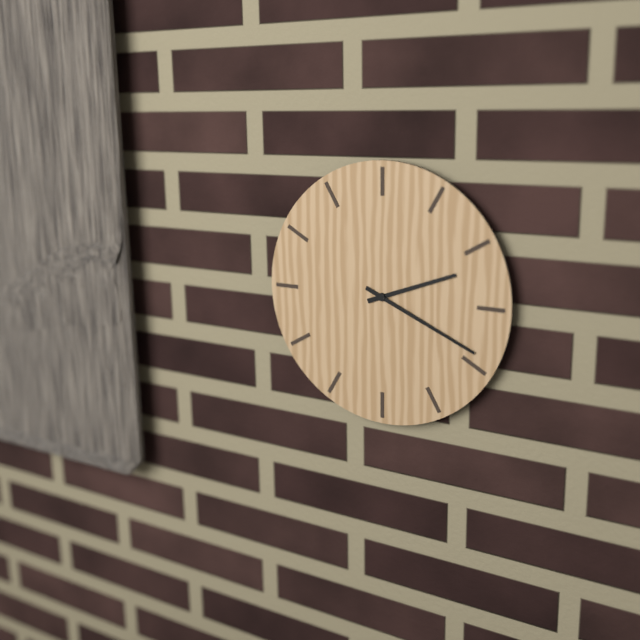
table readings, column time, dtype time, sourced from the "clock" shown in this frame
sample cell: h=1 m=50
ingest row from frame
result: h=2 m=19
